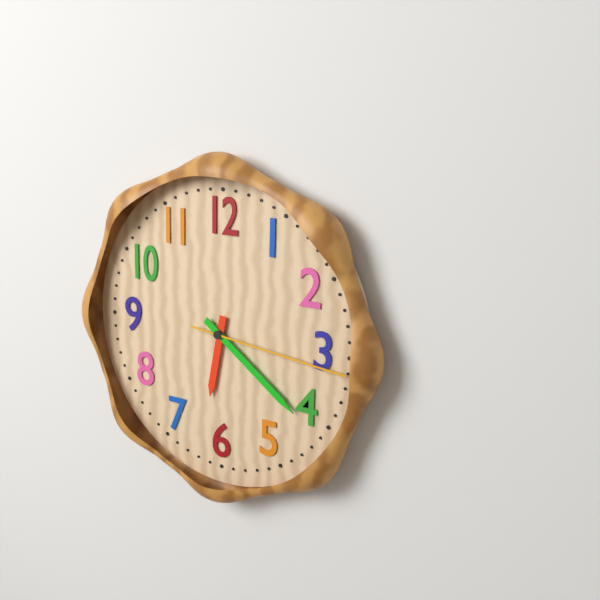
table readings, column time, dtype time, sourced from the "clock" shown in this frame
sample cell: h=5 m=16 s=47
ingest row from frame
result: h=6 m=21 s=16
